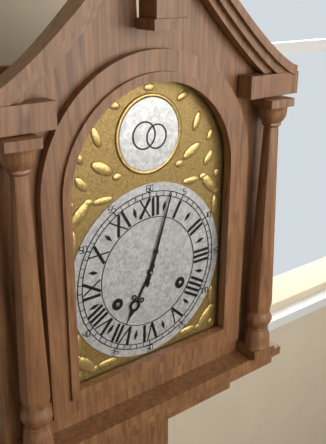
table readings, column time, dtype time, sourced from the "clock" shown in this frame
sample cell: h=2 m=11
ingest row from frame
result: h=7 m=3
